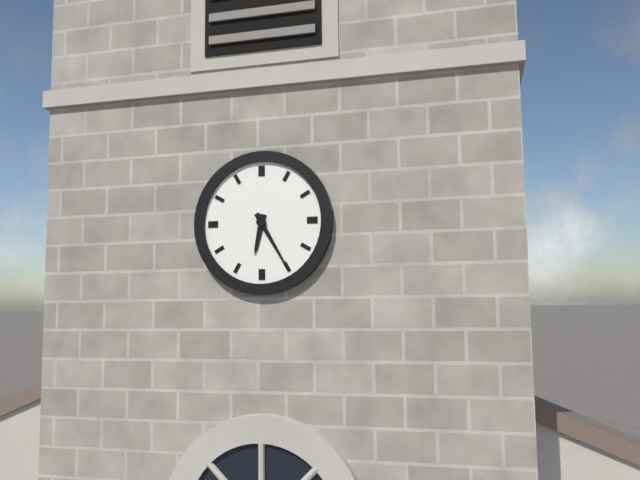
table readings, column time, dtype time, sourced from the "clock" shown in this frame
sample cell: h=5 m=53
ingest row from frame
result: h=6 m=25
